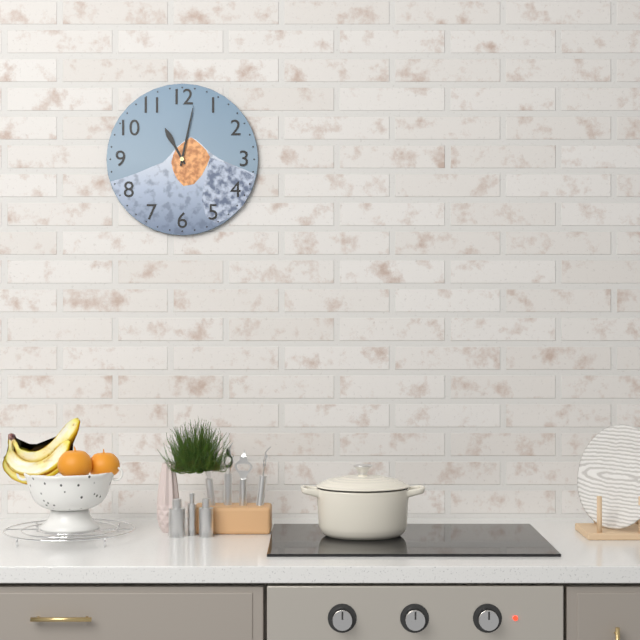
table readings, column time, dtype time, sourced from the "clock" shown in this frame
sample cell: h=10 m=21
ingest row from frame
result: h=11 m=2
